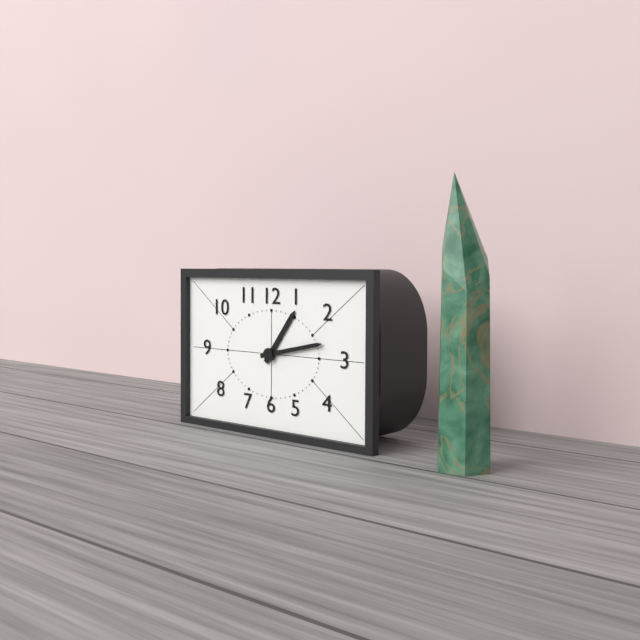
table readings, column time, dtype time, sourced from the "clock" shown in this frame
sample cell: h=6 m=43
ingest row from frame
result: h=1 m=13
